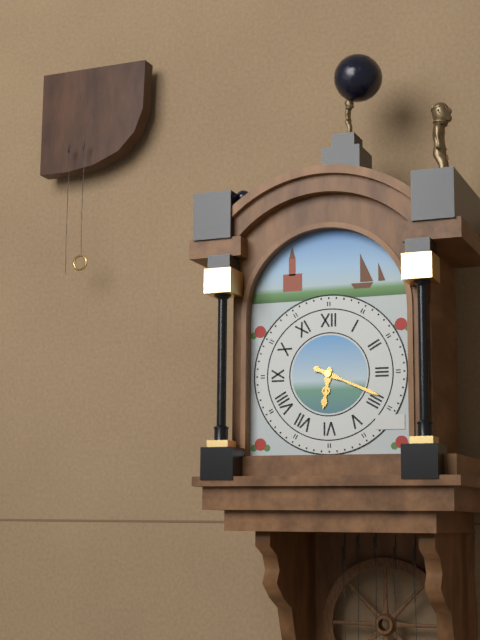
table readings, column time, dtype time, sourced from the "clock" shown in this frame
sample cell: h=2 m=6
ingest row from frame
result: h=6 m=19
